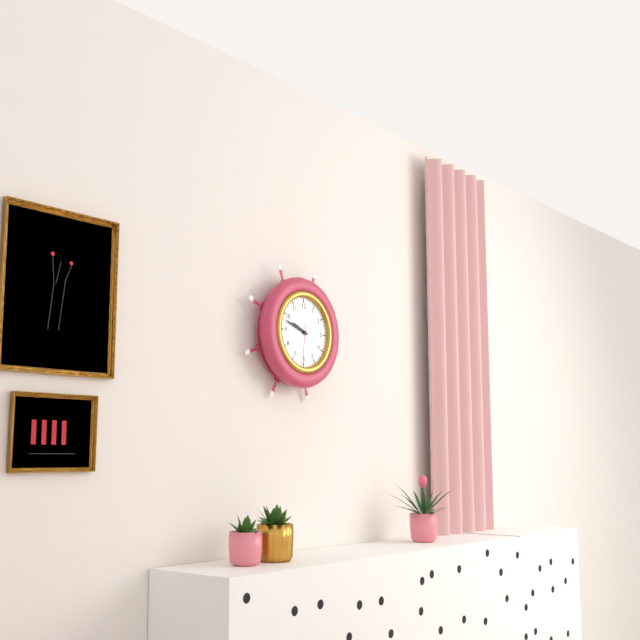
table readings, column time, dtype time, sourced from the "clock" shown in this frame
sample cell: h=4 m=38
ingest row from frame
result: h=9 m=48
